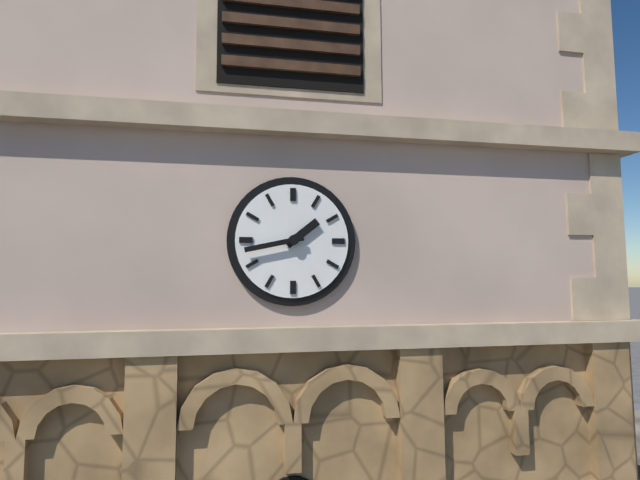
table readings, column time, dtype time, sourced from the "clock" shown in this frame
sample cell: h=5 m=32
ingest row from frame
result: h=1 m=43
